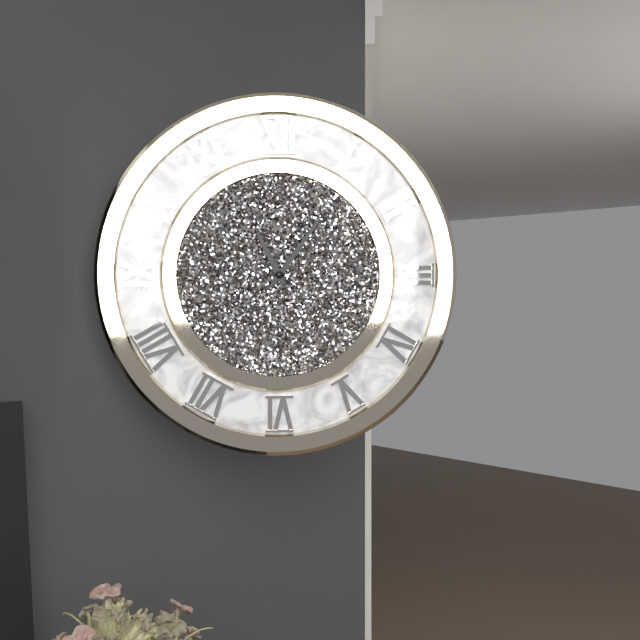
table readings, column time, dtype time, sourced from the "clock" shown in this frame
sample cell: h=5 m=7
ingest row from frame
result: h=11 m=6
